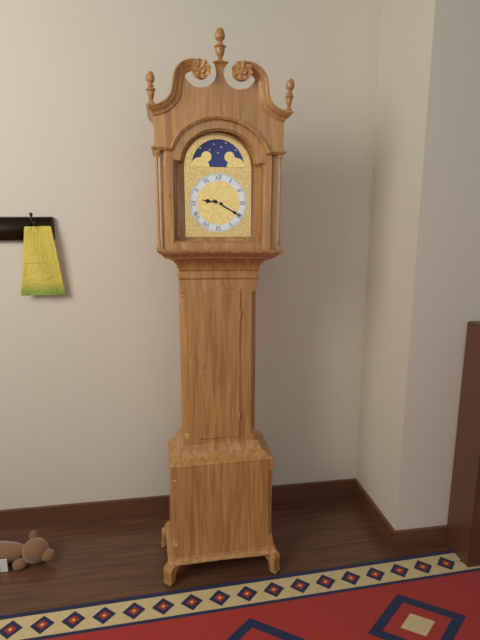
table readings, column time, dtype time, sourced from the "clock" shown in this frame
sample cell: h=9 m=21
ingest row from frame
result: h=9 m=20
